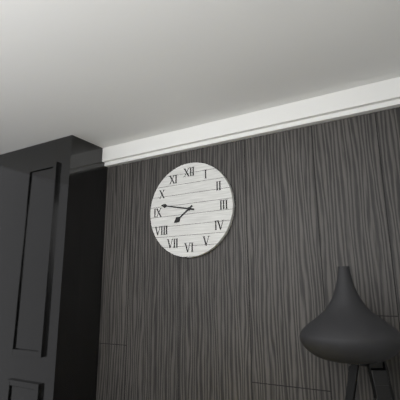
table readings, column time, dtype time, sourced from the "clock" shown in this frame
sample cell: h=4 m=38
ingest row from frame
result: h=7 m=47
